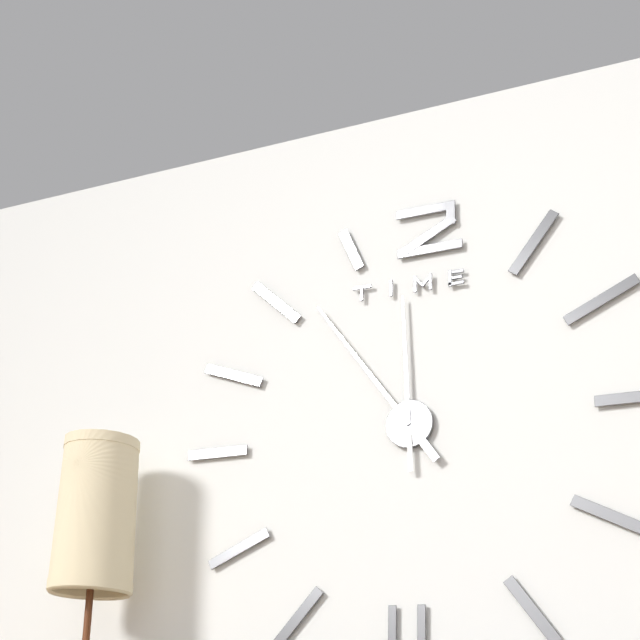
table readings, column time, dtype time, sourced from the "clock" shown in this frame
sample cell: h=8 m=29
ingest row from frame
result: h=11 m=54
